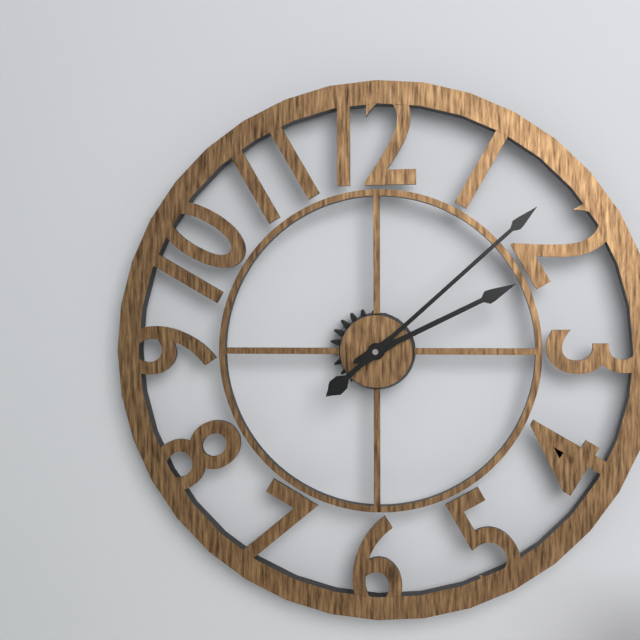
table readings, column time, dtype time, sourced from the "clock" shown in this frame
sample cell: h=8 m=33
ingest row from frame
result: h=2 m=8
